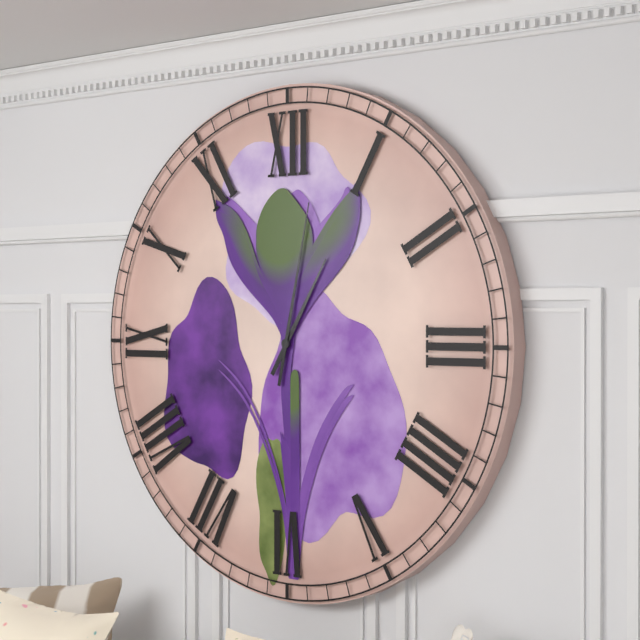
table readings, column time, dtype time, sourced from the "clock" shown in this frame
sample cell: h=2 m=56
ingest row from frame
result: h=1 m=2
